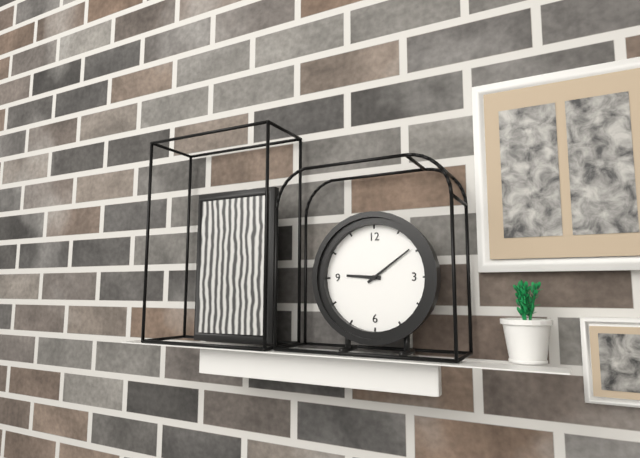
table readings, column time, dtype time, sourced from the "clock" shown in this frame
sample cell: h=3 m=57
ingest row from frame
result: h=9 m=9
